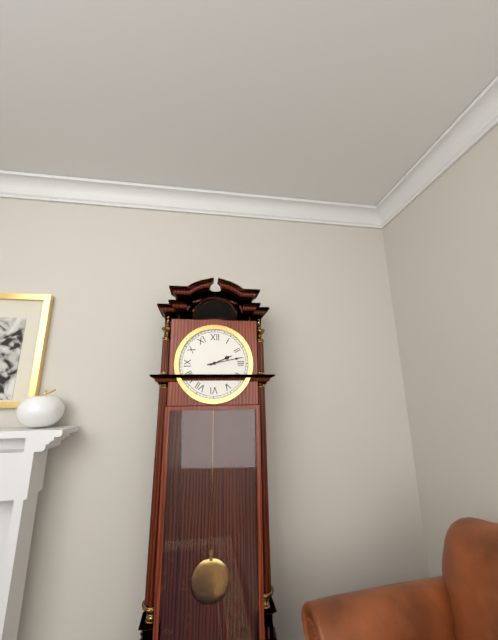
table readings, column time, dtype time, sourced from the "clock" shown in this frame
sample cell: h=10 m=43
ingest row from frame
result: h=2 m=13
